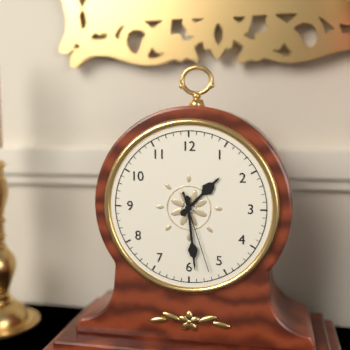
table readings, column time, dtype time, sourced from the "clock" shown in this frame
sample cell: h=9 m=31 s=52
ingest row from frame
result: h=1 m=29 s=27
